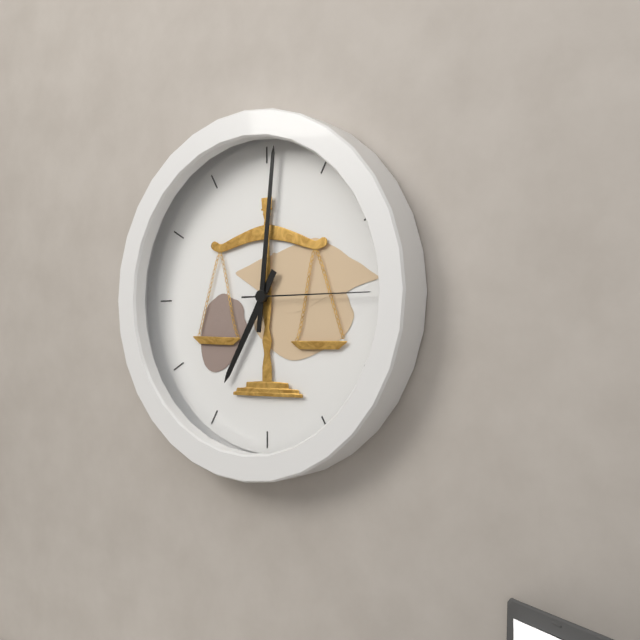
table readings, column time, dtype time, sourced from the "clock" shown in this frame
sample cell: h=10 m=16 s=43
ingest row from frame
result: h=7 m=1 s=15
